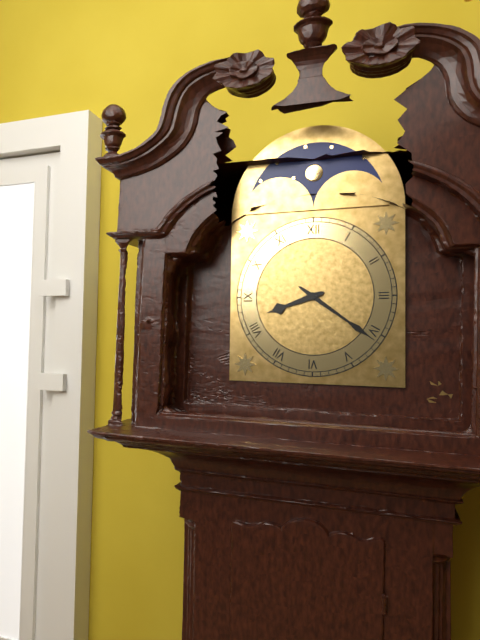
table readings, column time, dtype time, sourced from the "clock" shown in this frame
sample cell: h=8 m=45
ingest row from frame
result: h=8 m=21
